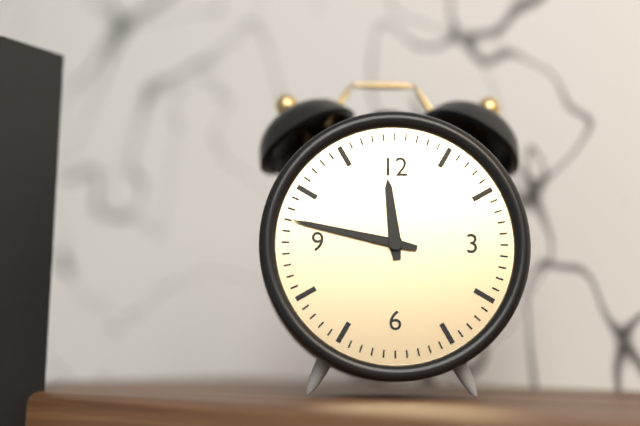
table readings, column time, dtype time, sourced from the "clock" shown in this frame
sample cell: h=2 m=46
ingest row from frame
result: h=11 m=47
